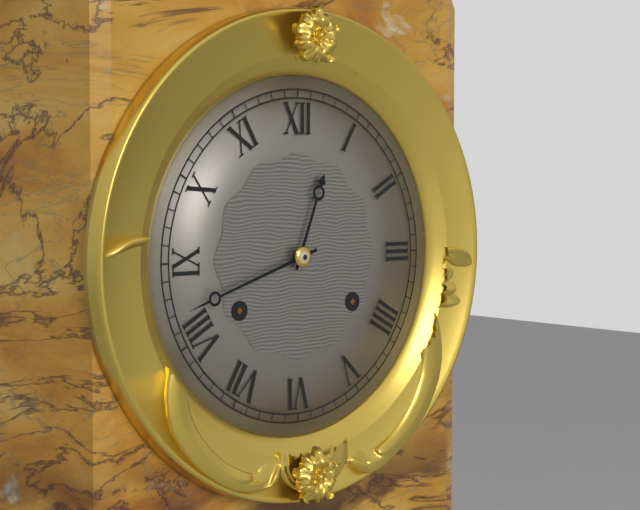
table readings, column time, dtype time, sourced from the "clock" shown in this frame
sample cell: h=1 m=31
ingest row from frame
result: h=12 m=42
